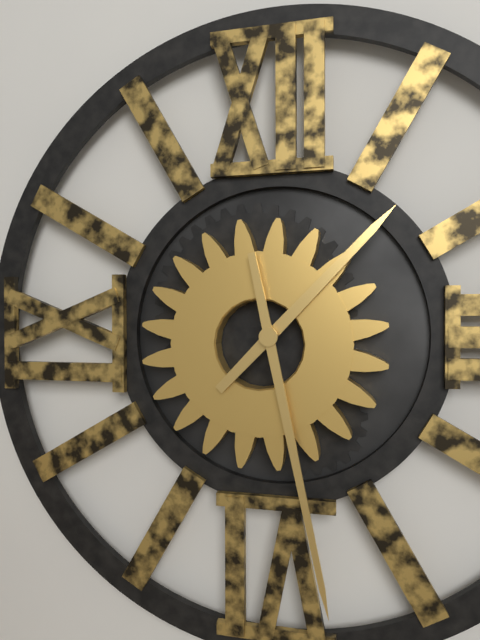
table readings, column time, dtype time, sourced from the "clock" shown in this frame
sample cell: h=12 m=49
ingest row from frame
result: h=1 m=28
